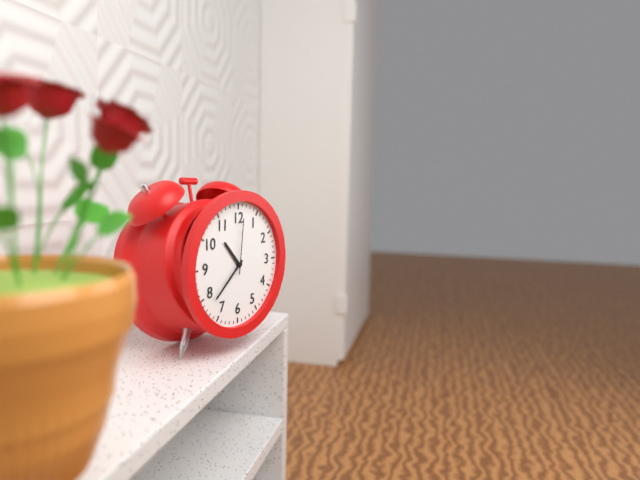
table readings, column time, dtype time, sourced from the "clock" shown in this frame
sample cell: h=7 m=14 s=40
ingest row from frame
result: h=10 m=38 s=1
